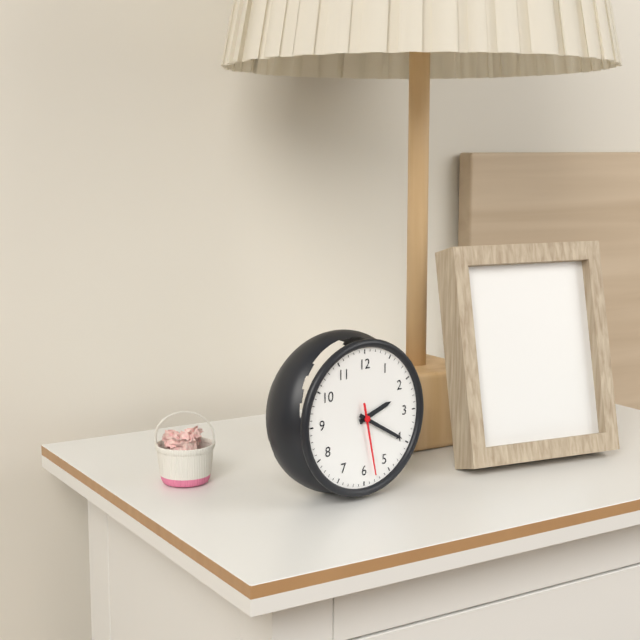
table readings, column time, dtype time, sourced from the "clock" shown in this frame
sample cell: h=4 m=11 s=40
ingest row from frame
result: h=2 m=20 s=28
